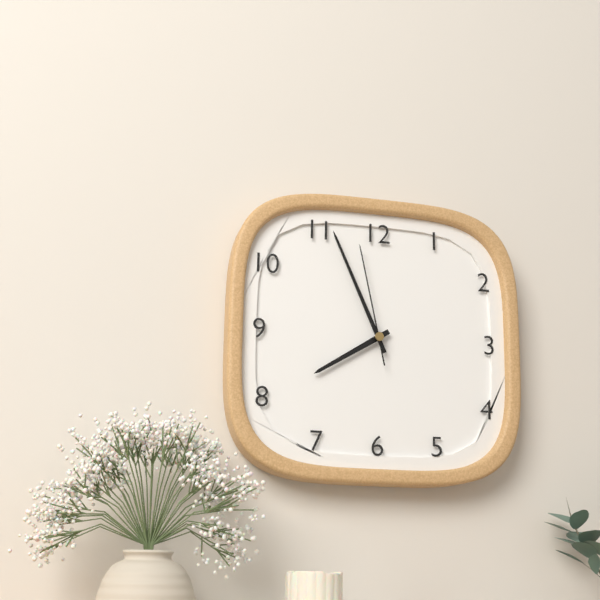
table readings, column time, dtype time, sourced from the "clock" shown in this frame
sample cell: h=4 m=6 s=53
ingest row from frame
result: h=7 m=56 s=58
